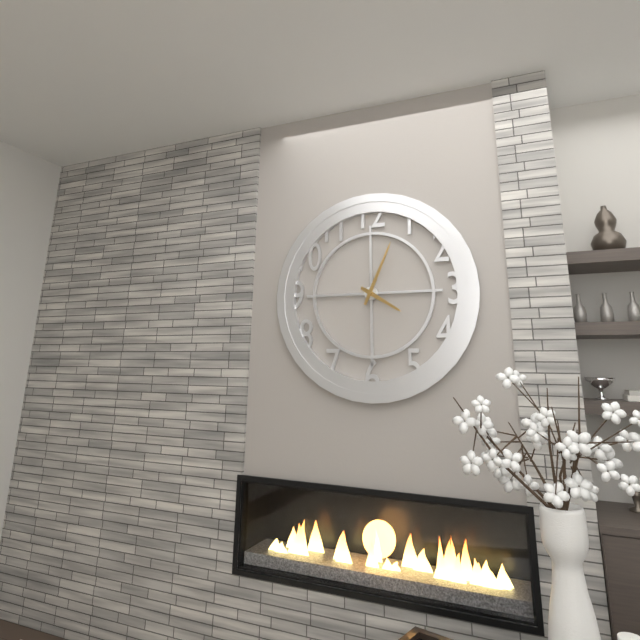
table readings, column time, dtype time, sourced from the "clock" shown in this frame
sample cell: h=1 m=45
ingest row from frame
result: h=4 m=4
